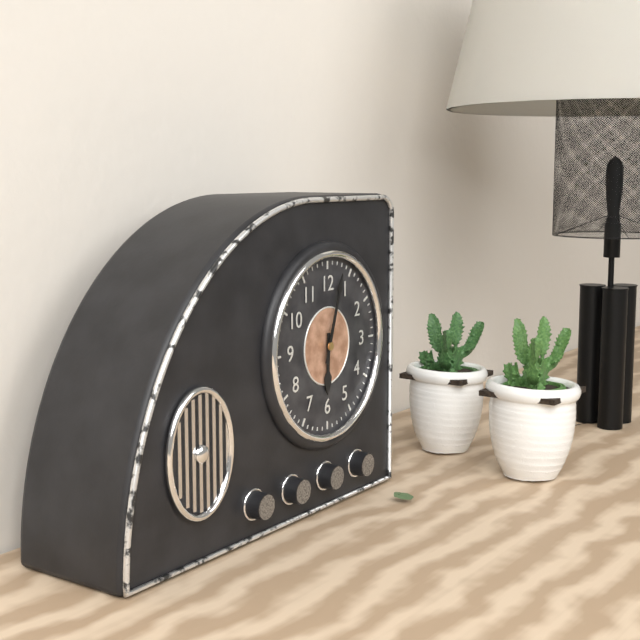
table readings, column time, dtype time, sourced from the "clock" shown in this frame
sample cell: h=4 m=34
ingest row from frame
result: h=6 m=3
